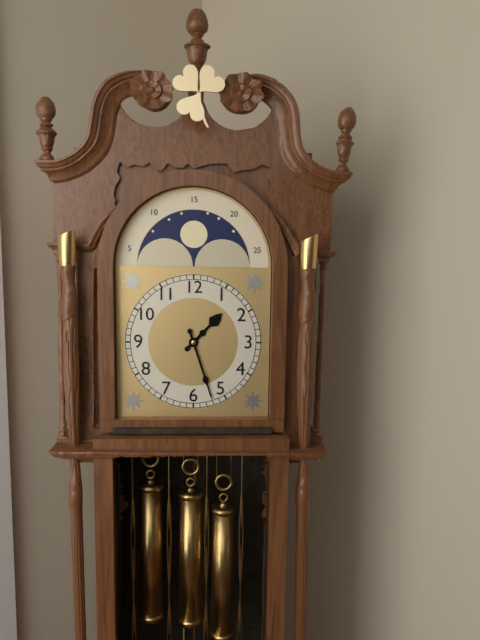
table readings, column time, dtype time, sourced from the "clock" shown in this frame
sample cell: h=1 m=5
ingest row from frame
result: h=1 m=27
